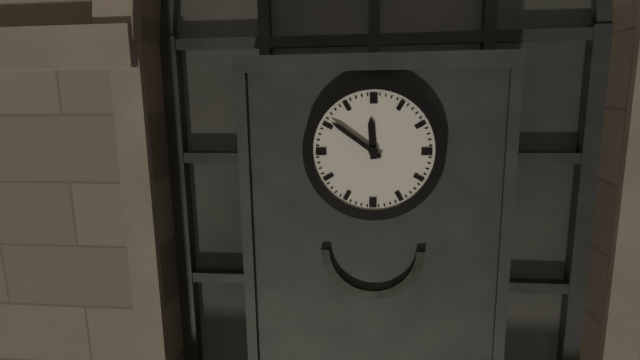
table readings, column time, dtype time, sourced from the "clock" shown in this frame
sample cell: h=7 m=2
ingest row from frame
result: h=11 m=51
